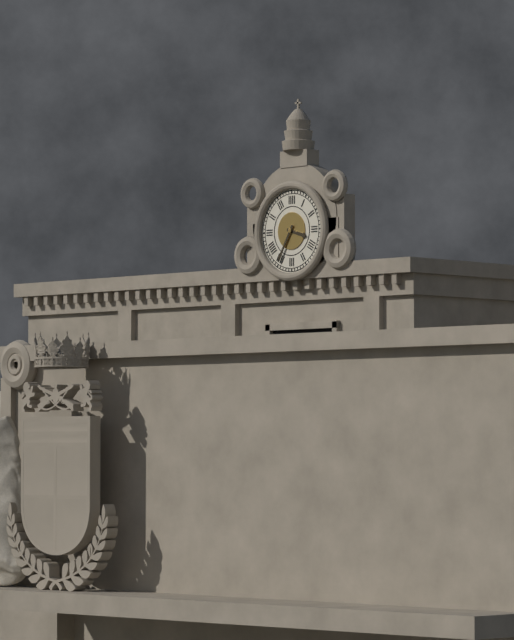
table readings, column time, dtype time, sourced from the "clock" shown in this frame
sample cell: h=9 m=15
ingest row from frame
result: h=3 m=35
